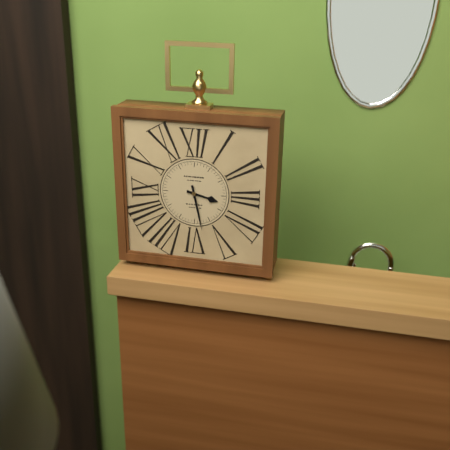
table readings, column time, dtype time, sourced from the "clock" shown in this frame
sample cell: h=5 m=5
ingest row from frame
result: h=3 m=28
